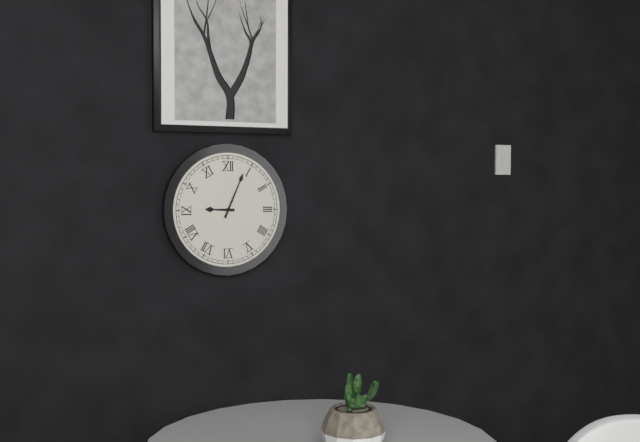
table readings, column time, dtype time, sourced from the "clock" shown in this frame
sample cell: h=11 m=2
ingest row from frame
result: h=9 m=4
